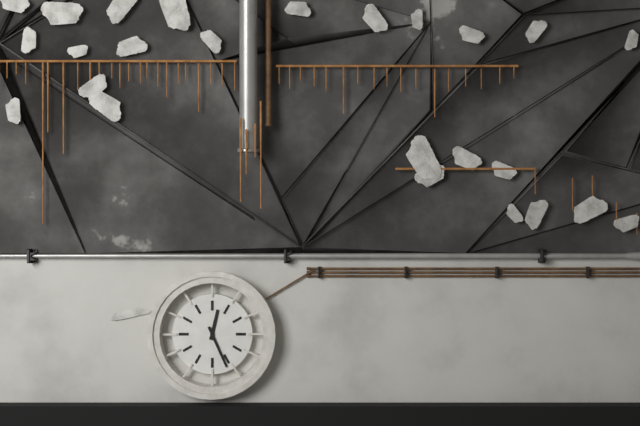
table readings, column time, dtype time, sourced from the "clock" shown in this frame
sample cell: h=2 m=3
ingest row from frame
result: h=12 m=26
